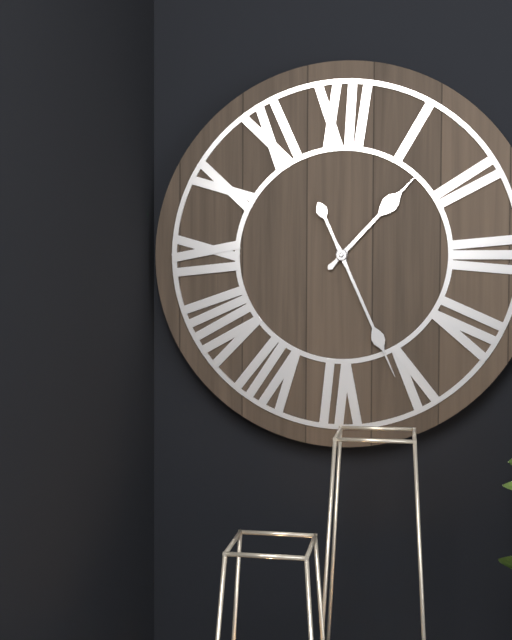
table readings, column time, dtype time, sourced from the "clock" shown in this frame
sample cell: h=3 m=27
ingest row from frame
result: h=1 m=26
